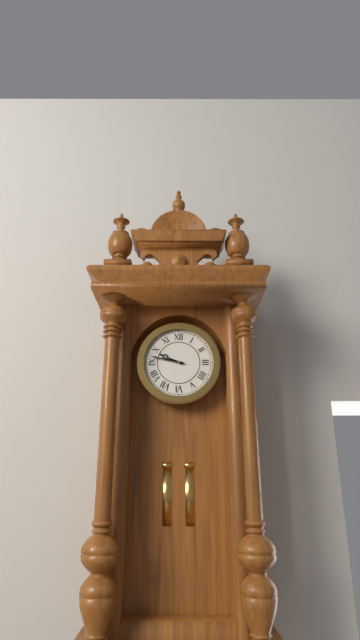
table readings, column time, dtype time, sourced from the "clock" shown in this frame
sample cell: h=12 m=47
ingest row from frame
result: h=9 m=47
